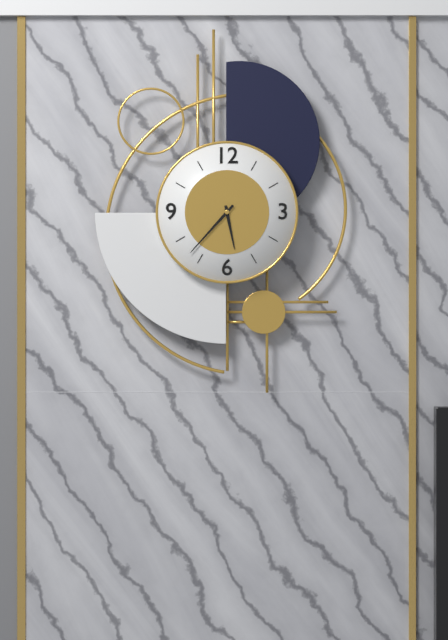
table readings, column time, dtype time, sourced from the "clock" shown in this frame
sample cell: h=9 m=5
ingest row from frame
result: h=5 m=37
